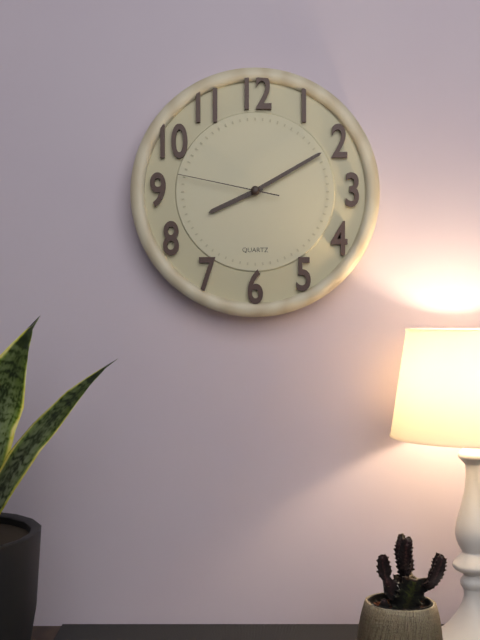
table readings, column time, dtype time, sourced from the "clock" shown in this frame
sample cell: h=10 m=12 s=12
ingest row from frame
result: h=8 m=10 s=47
